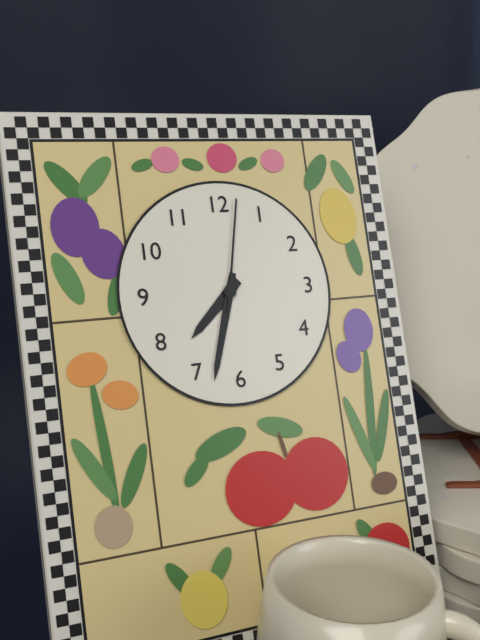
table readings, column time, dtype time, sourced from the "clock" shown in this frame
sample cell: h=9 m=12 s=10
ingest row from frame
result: h=7 m=33 s=2
